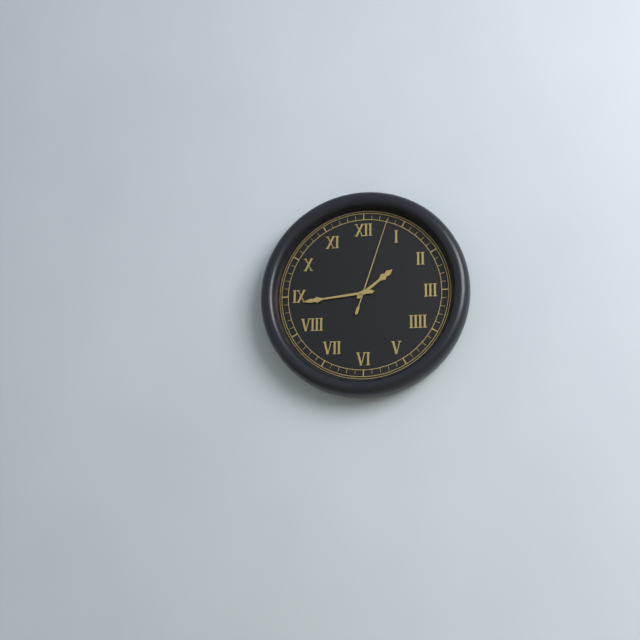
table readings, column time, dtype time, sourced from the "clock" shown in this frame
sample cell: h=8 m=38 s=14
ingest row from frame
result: h=1 m=44 s=3
